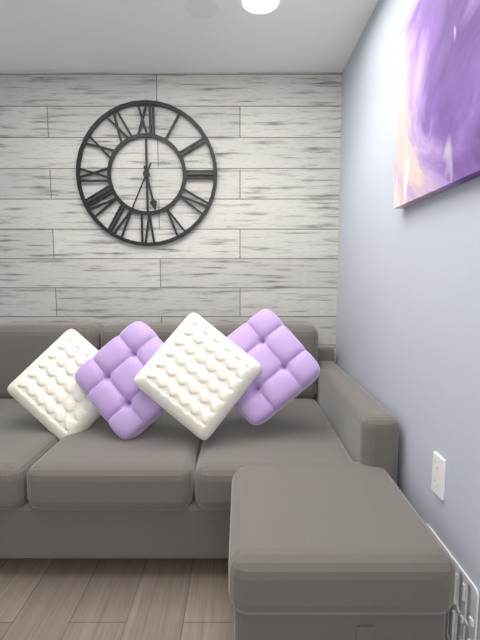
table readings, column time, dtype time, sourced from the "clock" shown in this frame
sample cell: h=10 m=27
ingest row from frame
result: h=5 m=34
